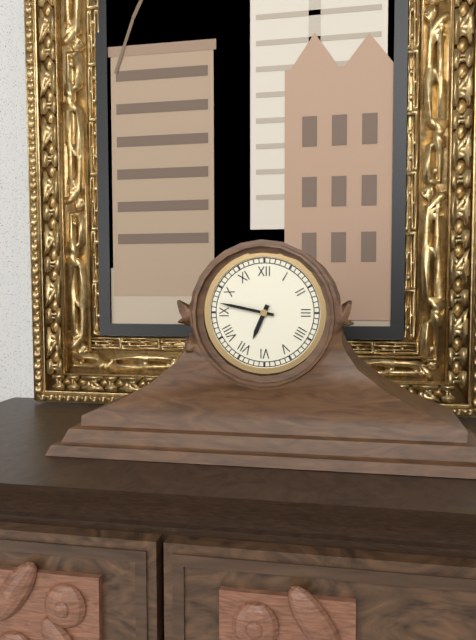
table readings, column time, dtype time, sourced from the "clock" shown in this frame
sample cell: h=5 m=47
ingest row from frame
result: h=6 m=47
